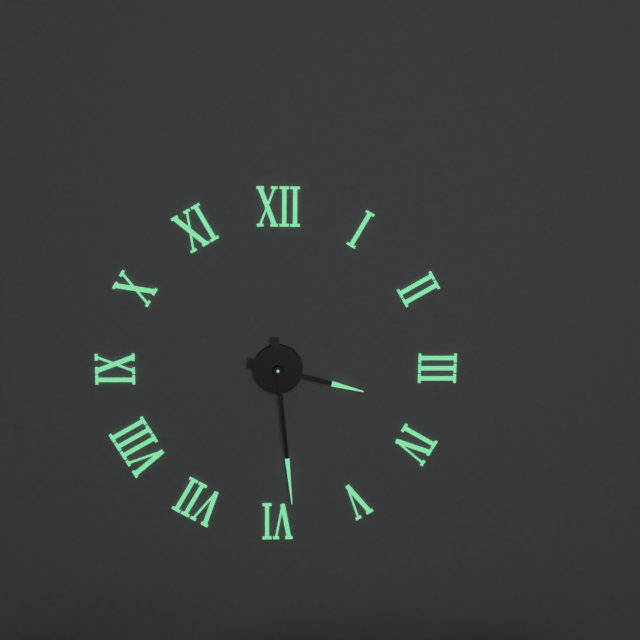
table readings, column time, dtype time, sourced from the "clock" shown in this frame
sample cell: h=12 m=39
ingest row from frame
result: h=3 m=29
